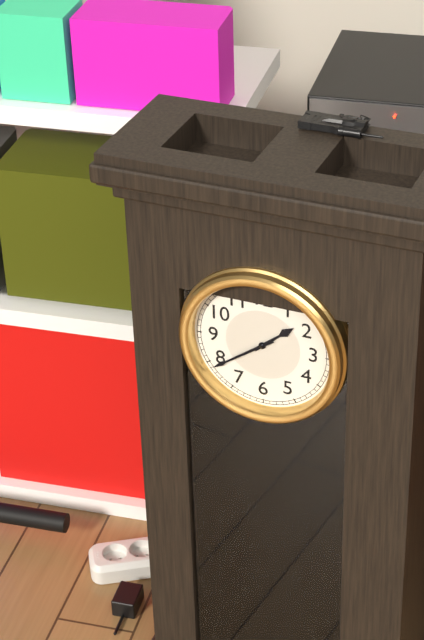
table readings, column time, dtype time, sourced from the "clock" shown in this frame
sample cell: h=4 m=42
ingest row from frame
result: h=1 m=39
